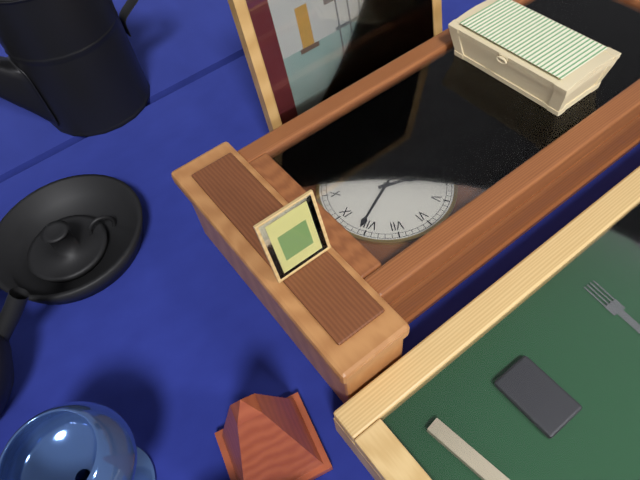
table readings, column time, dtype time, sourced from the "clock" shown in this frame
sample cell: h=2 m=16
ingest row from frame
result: h=3 m=41
